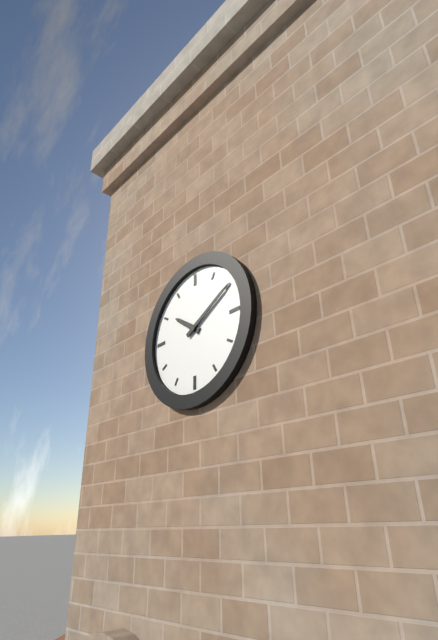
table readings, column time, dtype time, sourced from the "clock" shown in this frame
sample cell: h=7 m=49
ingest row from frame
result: h=10 m=10
